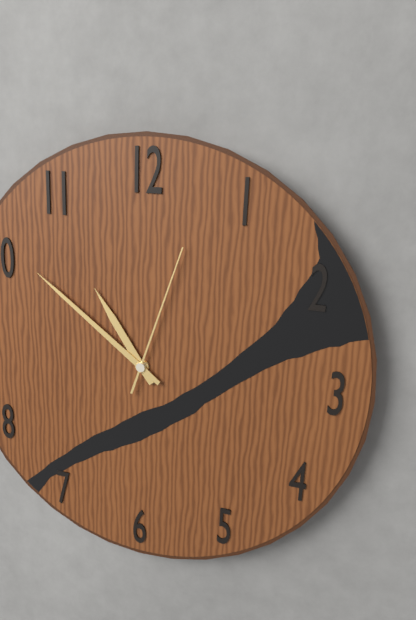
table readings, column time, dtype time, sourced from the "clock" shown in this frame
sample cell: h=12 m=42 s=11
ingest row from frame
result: h=10 m=51 s=3
